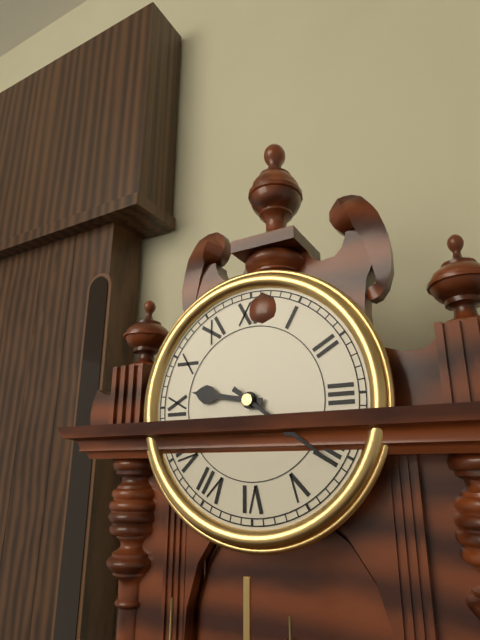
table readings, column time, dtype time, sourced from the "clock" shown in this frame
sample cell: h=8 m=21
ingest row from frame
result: h=9 m=21
